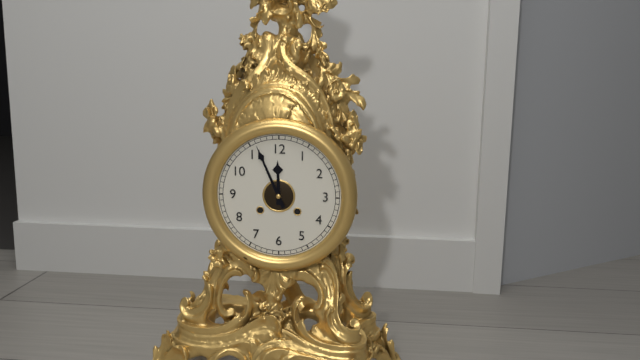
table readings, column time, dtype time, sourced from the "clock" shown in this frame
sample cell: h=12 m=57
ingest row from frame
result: h=11 m=56
